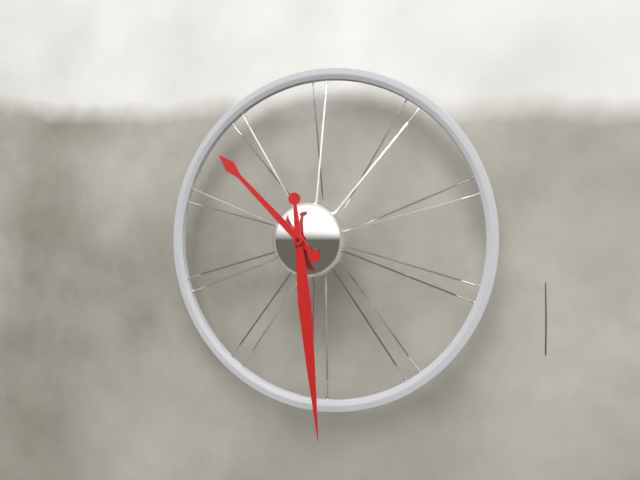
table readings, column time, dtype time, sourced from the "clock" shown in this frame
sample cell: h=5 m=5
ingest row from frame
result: h=10 m=29
